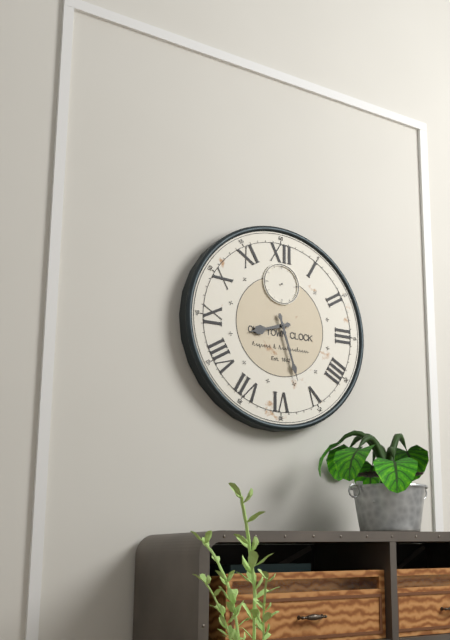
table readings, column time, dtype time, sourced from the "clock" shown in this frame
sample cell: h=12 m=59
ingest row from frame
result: h=8 m=27
